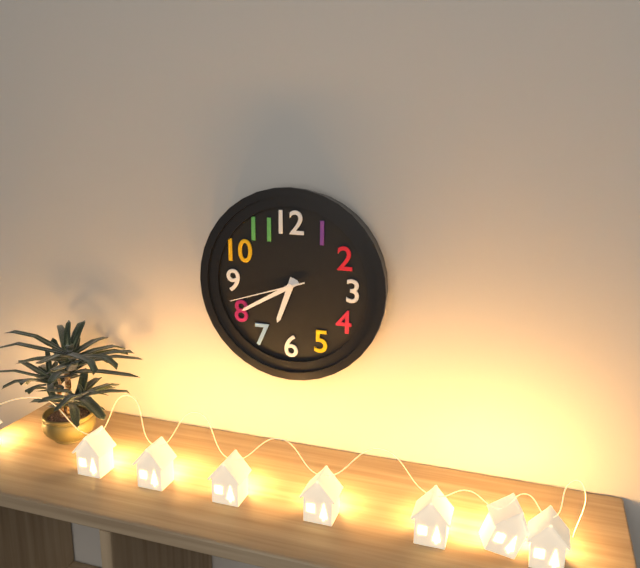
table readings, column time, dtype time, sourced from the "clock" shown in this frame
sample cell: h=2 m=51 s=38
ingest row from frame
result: h=6 m=40 s=42
